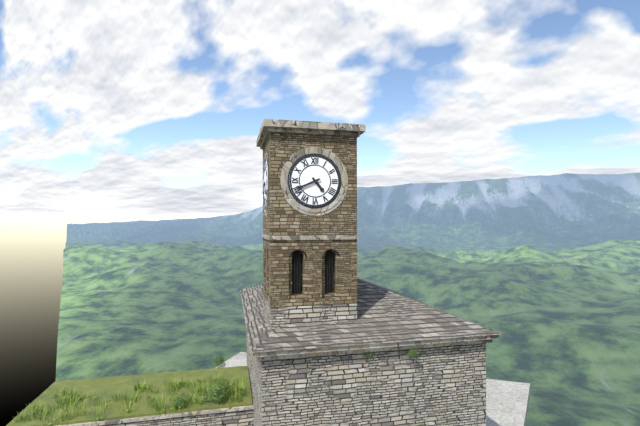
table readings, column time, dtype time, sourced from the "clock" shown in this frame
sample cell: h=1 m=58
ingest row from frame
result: h=4 m=41
